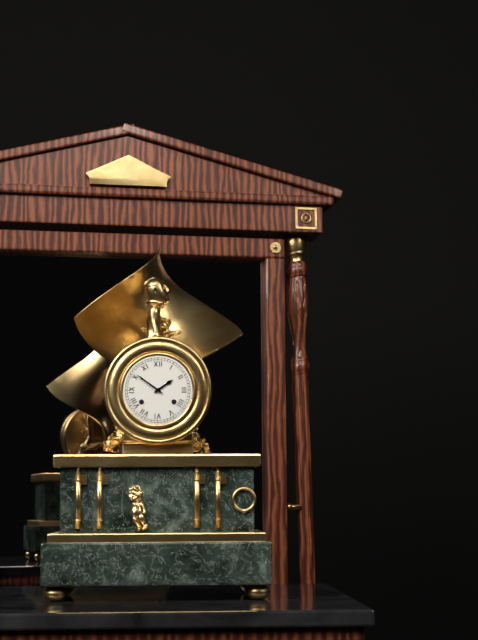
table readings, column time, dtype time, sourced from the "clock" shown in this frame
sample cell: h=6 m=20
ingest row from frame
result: h=1 m=51
